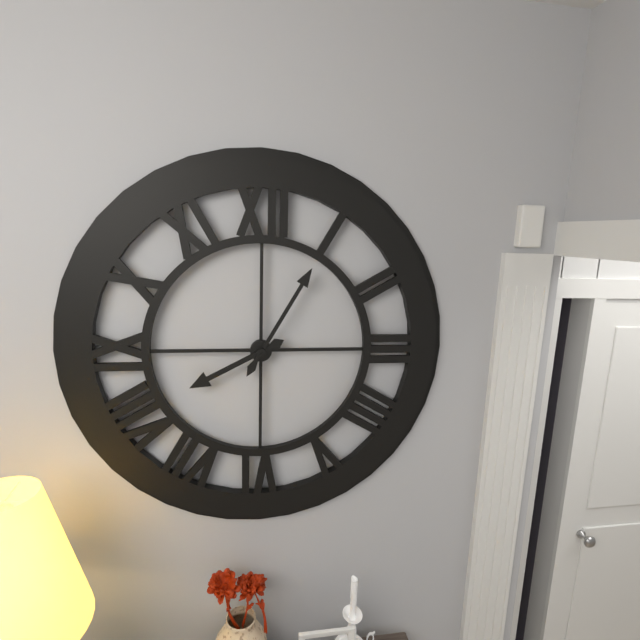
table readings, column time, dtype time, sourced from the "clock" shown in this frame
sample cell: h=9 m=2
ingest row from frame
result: h=8 m=5
